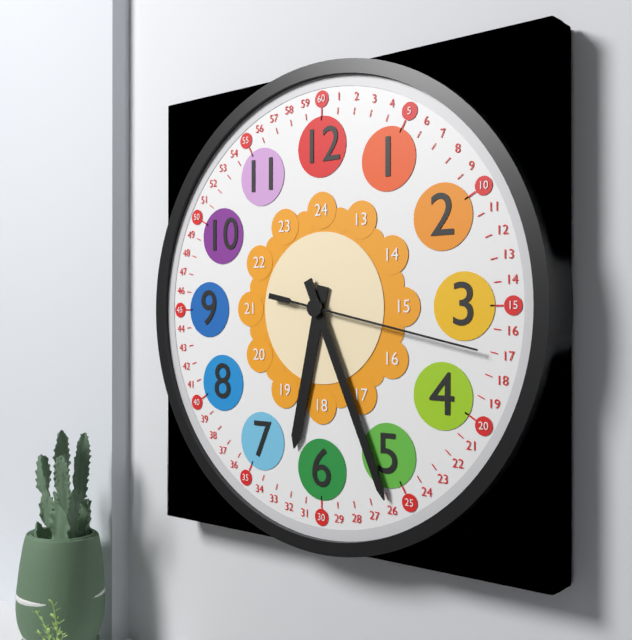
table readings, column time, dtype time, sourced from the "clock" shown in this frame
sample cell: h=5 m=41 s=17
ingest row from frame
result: h=6 m=26 s=17
